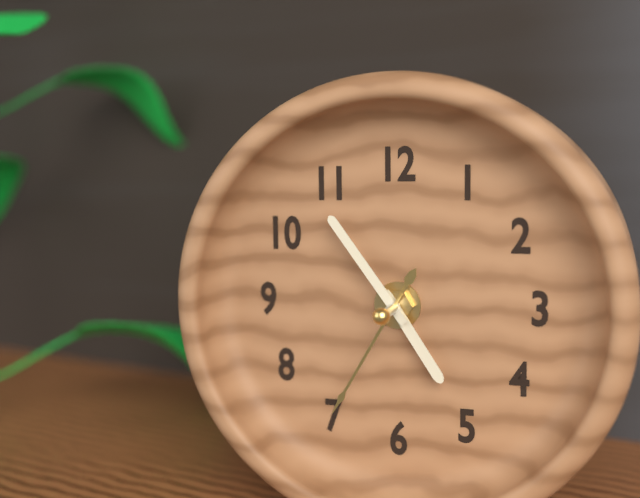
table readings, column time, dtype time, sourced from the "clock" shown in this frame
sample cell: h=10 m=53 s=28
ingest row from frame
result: h=4 m=54 s=35
